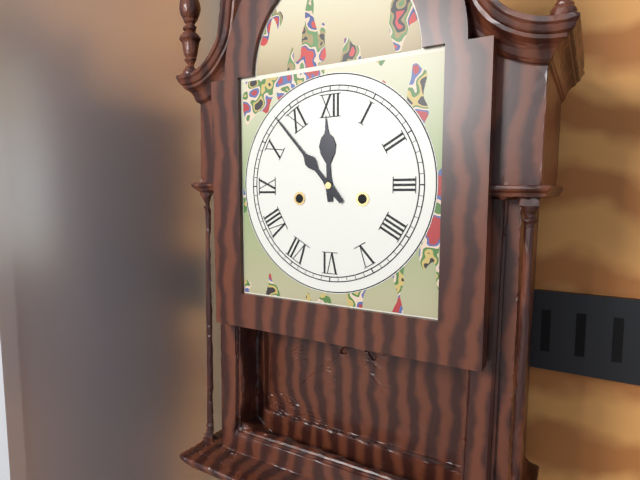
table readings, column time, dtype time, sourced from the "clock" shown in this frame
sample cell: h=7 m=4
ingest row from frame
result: h=11 m=53
